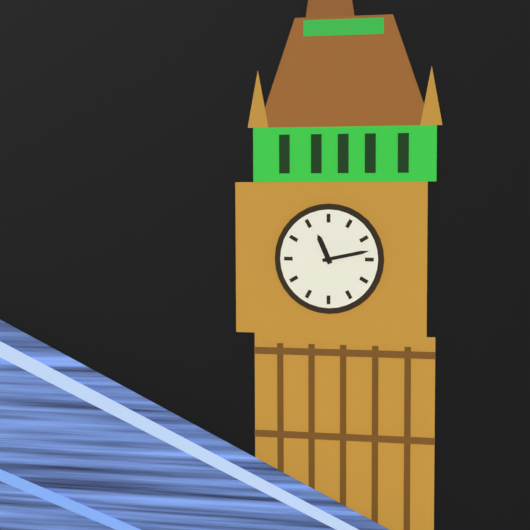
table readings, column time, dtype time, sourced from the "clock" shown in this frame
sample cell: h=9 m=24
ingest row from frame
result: h=11 m=13
